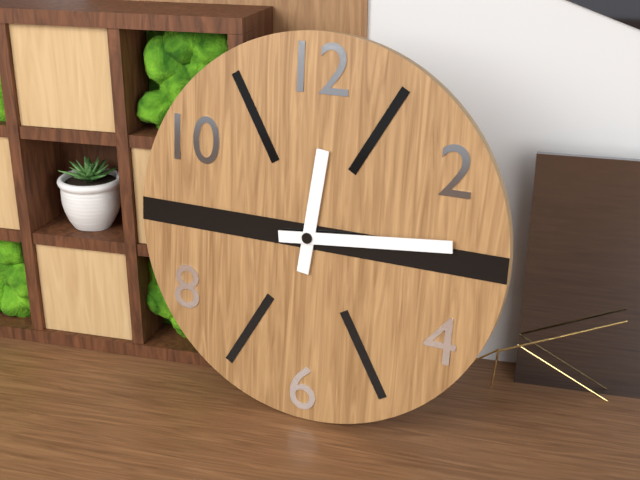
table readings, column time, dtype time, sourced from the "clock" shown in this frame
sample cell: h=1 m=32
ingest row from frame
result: h=12 m=14
